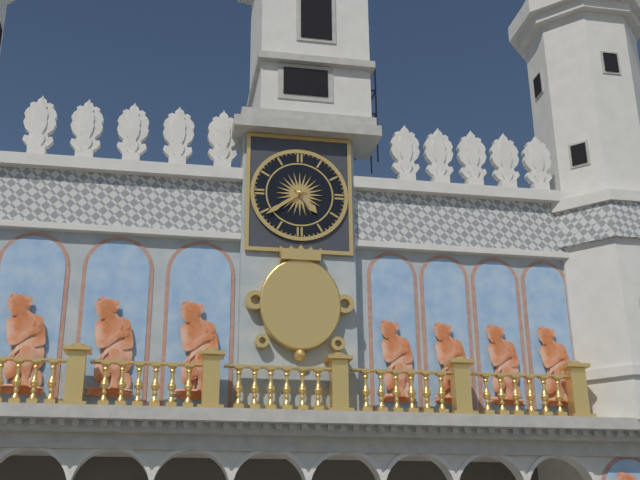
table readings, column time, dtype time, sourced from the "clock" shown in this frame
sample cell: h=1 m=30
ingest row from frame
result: h=4 m=39
